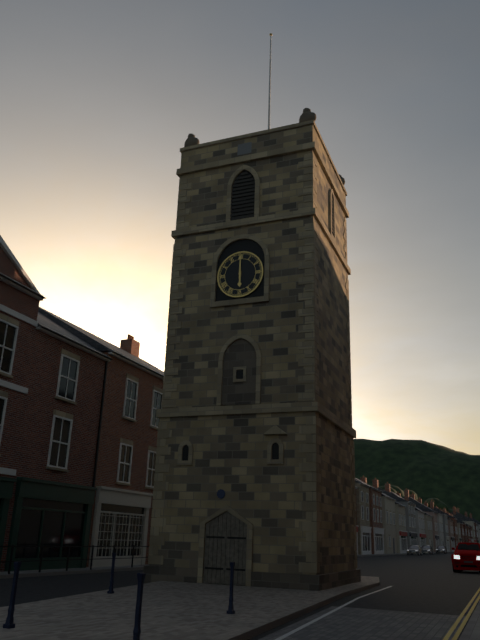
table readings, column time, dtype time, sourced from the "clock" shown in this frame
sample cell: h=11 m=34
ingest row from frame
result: h=6 m=0
